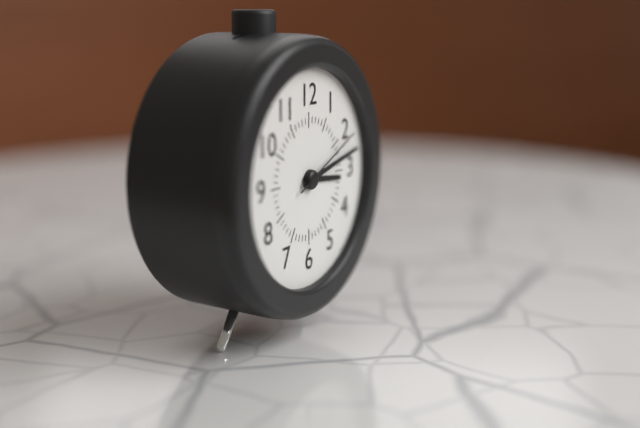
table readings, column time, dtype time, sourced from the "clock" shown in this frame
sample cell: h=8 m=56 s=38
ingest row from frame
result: h=3 m=13 s=11
